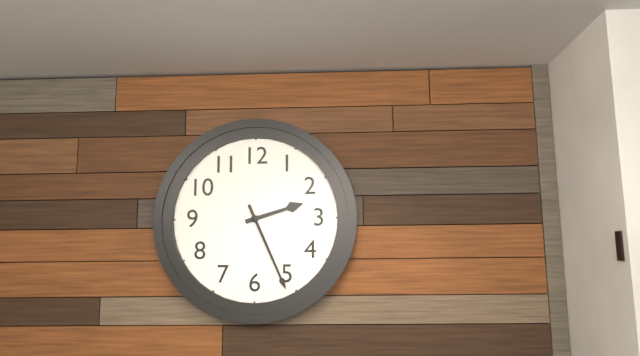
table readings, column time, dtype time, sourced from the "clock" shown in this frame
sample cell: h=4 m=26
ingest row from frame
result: h=2 m=26
